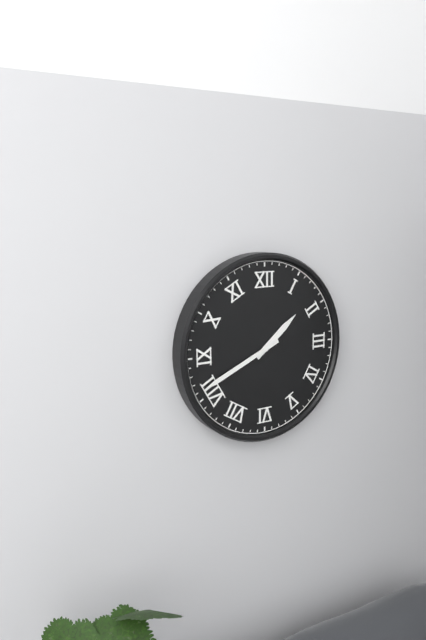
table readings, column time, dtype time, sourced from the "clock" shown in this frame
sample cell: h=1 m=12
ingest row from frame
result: h=1 m=41
